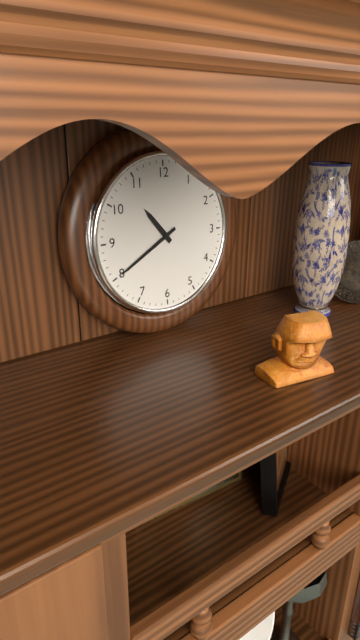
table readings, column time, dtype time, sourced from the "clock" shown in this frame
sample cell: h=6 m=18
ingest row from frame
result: h=10 m=40
